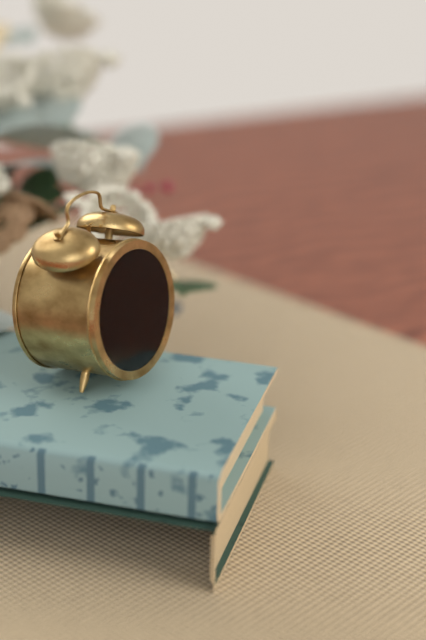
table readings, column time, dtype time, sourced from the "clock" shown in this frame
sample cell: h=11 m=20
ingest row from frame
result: h=9 m=17
